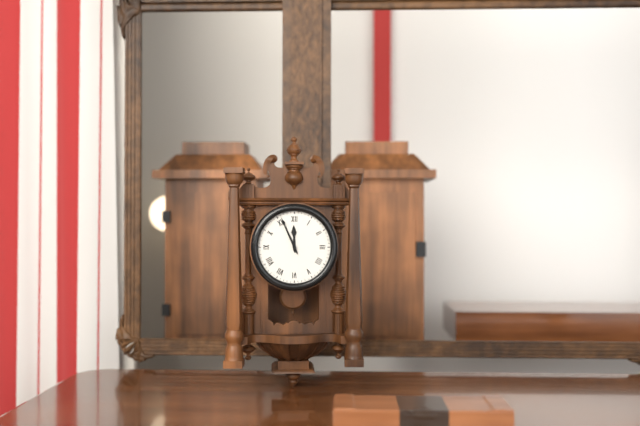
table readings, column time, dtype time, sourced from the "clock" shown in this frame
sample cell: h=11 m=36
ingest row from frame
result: h=11 m=56
